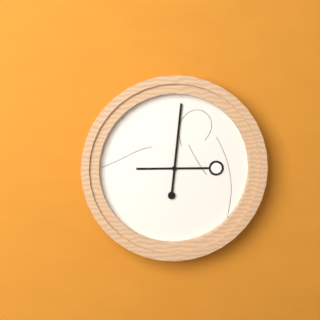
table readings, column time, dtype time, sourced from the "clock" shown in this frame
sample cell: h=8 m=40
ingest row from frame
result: h=9 m=1
